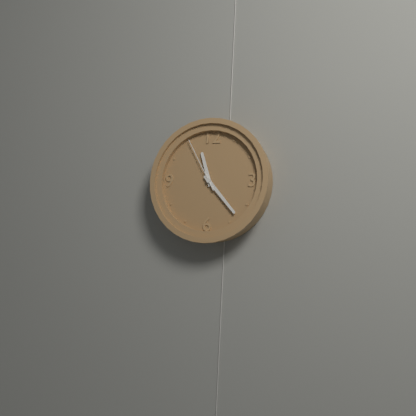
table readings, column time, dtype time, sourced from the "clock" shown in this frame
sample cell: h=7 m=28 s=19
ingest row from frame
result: h=11 m=23 s=55
